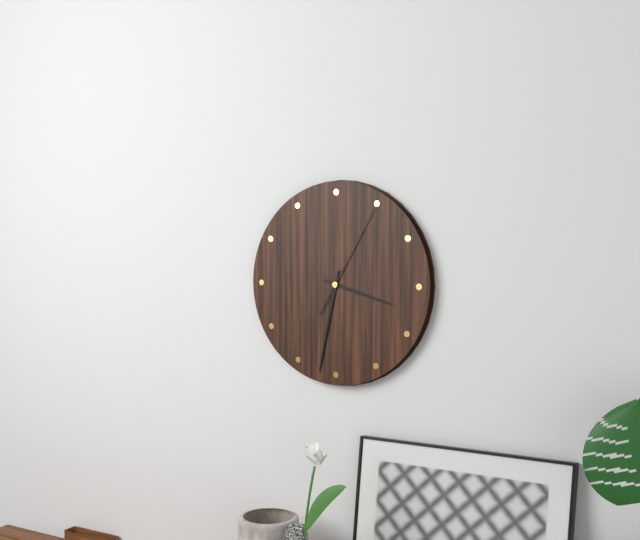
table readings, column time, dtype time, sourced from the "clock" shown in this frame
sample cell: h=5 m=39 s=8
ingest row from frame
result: h=3 m=32 s=5
